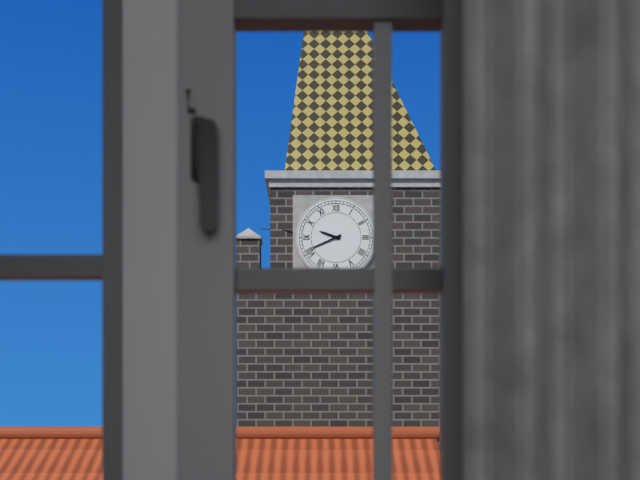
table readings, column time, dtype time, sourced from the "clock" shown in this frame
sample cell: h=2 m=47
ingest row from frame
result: h=9 m=41
